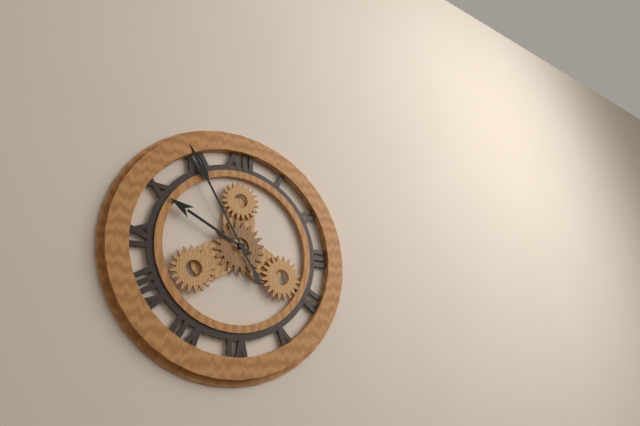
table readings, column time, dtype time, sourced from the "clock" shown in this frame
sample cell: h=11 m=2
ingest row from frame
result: h=9 m=55
